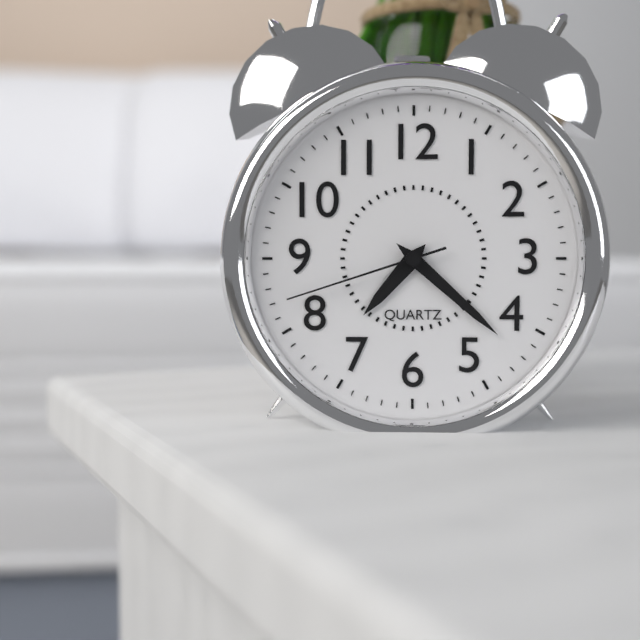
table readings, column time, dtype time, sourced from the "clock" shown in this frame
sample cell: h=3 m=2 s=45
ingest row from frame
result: h=7 m=22 s=42
